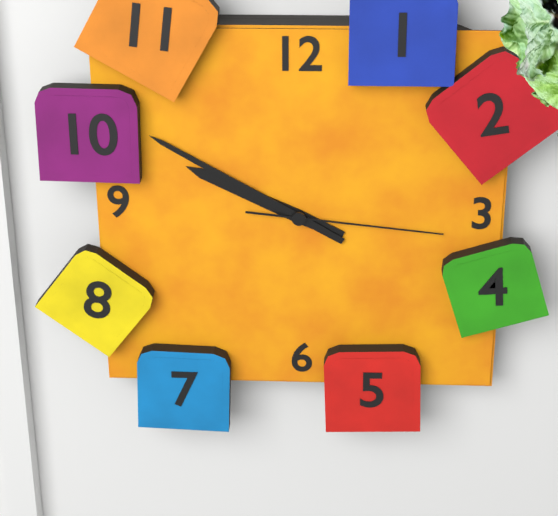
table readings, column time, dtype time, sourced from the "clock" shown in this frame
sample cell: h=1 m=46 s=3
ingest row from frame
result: h=9 m=50 s=16
